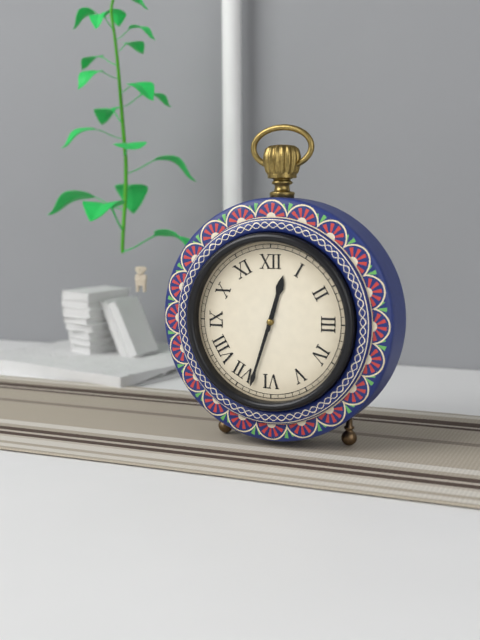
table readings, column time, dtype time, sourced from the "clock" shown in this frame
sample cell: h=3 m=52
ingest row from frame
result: h=12 m=33
